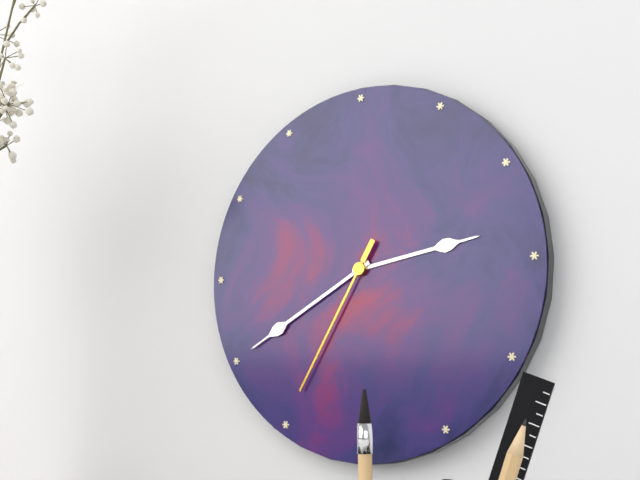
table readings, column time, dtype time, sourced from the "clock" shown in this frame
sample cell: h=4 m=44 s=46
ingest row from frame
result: h=2 m=40 s=35
